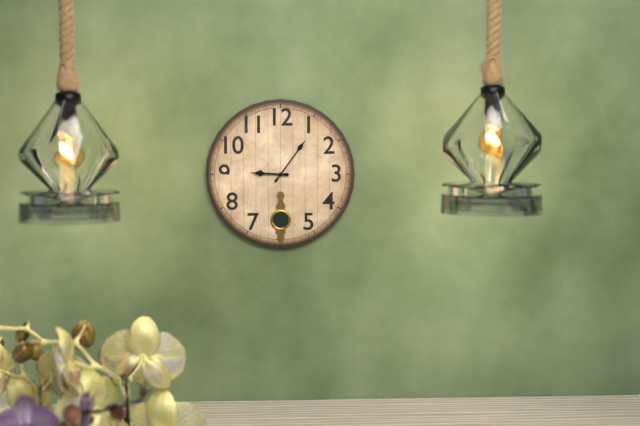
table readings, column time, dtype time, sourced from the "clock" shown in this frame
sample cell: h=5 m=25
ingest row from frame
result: h=9 m=6
